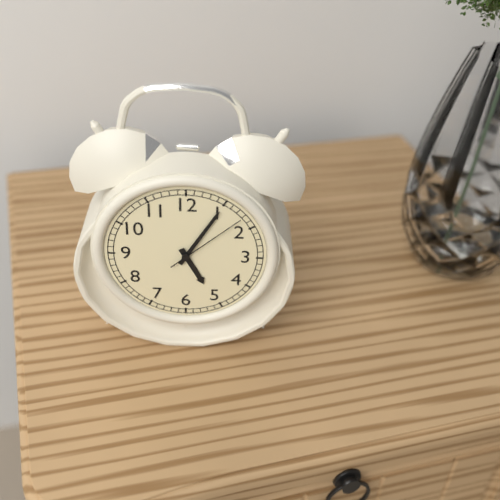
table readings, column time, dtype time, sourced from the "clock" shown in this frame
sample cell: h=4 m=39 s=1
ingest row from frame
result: h=5 m=5 s=8
